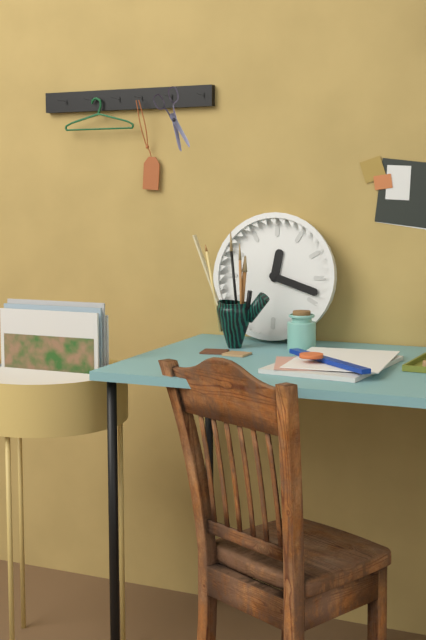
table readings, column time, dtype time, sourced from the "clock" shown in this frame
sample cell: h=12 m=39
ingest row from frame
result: h=12 m=18
